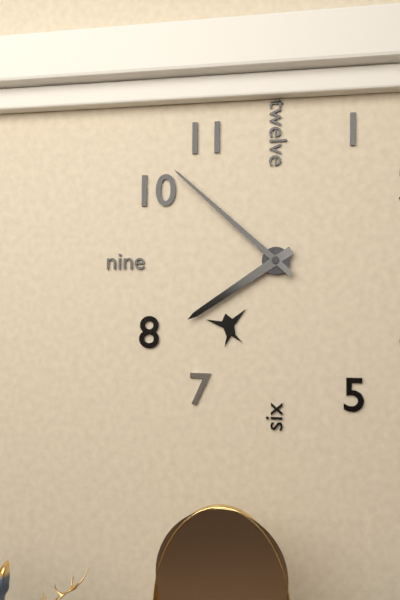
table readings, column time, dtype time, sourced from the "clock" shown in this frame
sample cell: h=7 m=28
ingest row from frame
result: h=7 m=52
